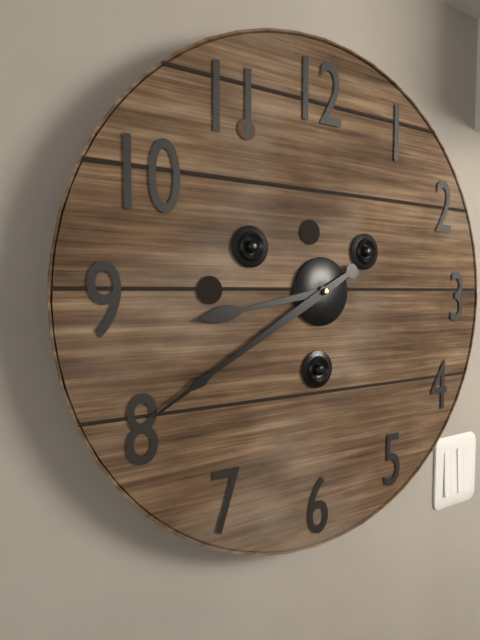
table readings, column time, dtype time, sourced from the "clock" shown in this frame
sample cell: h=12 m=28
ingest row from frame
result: h=8 m=40
